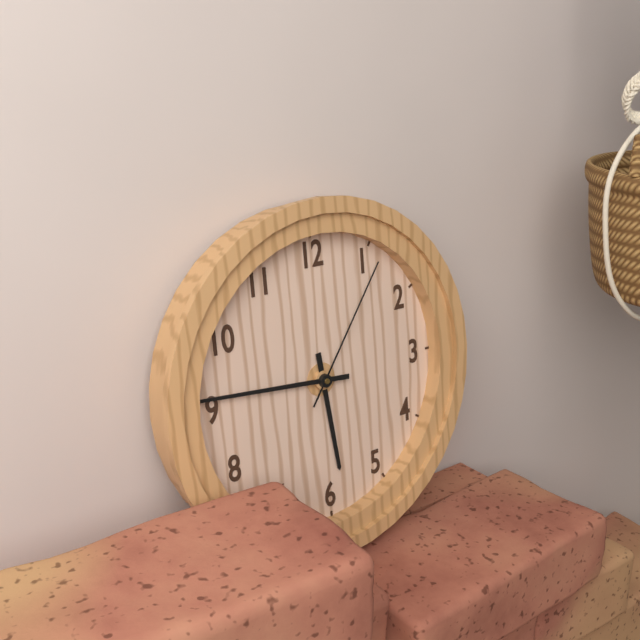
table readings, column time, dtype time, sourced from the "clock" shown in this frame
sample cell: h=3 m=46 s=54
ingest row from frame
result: h=5 m=46 s=6
